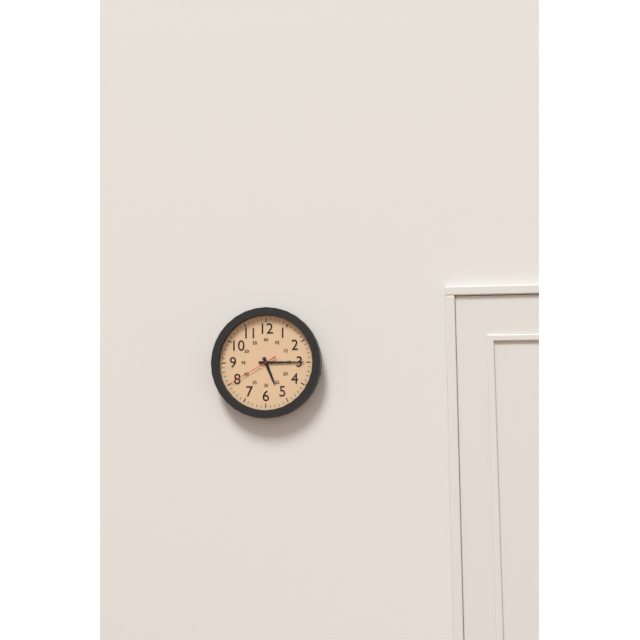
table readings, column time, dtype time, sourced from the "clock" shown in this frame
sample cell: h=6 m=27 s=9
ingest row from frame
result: h=5 m=15 s=40
